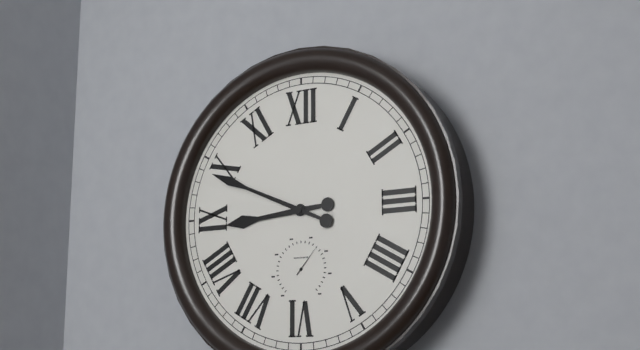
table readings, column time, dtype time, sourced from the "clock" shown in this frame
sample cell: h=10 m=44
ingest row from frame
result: h=8 m=49
